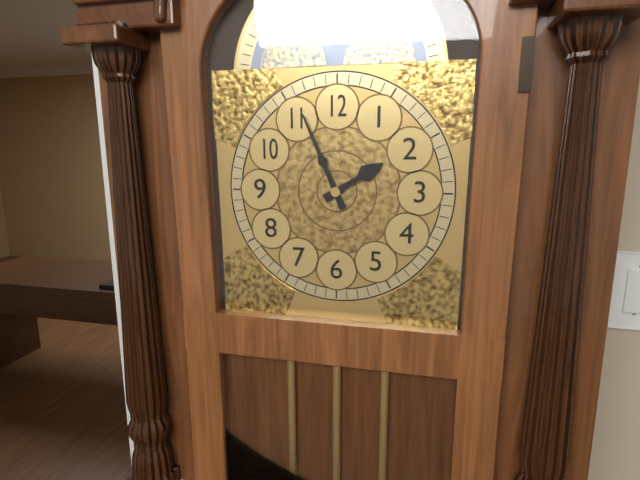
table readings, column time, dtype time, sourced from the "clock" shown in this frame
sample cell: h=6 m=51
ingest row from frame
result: h=1 m=56
